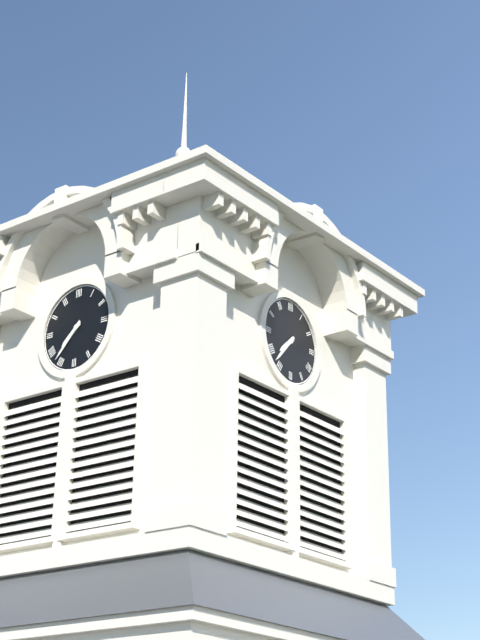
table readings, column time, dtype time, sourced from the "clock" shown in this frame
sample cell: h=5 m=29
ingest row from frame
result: h=7 m=37
